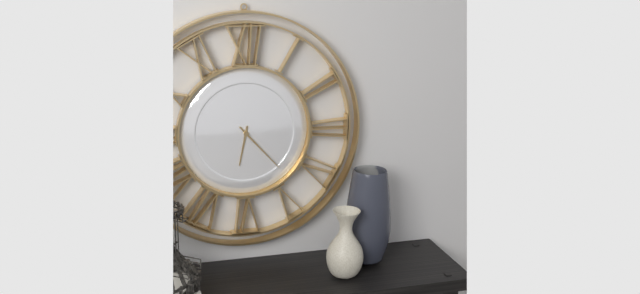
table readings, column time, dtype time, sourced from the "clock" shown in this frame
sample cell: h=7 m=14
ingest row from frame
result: h=6 m=23
